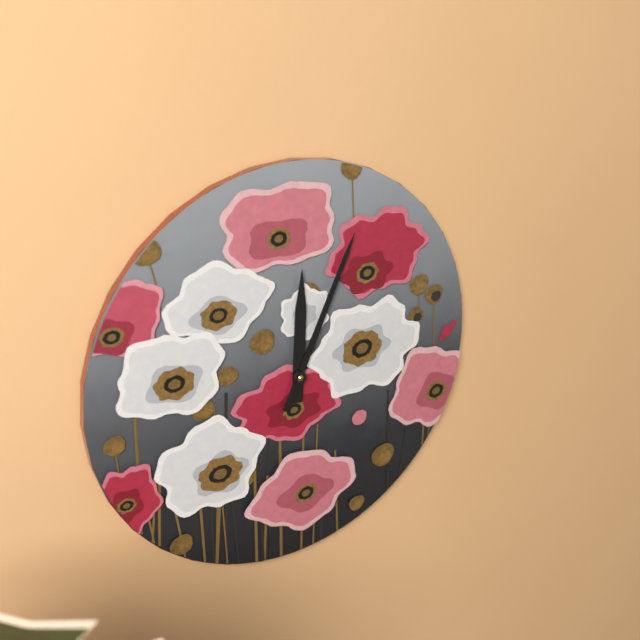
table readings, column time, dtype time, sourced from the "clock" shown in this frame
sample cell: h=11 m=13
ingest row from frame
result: h=12 m=4
